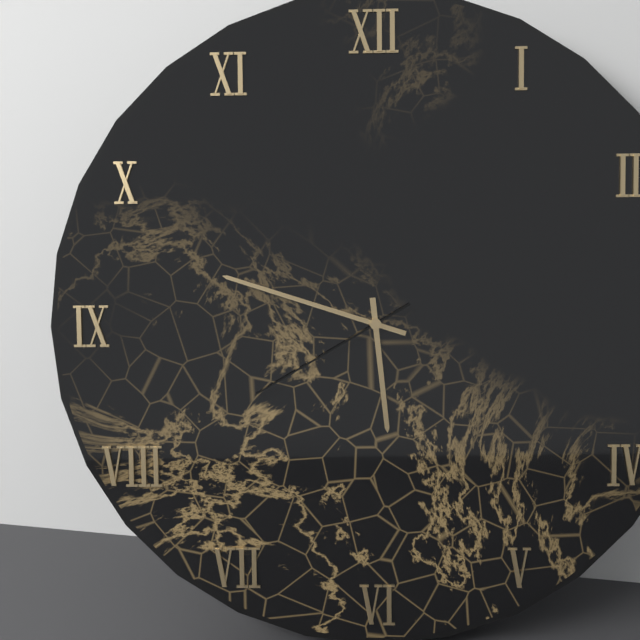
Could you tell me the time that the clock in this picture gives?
5:48:40
